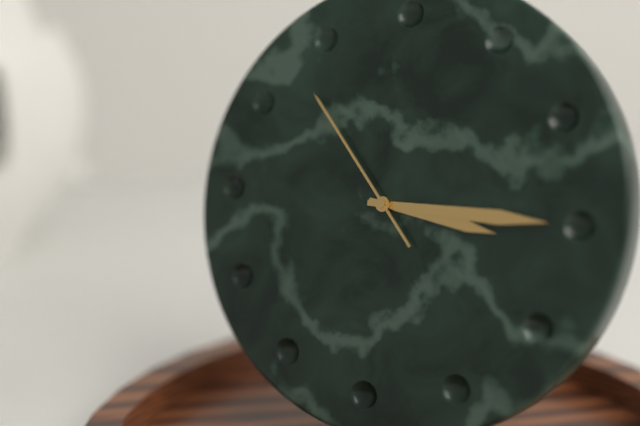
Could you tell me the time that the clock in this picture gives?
3:15:53
